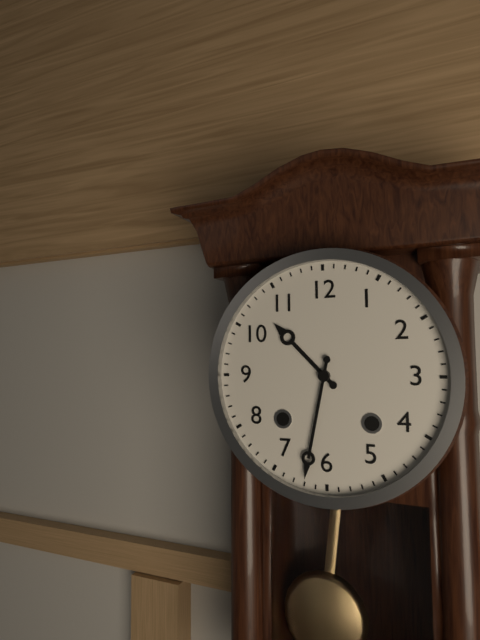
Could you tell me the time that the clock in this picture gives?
10:32
